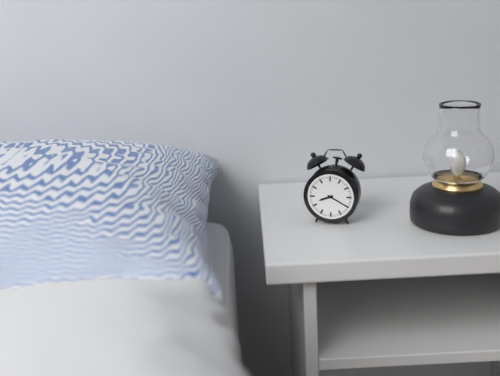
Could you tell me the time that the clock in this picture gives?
8:20
